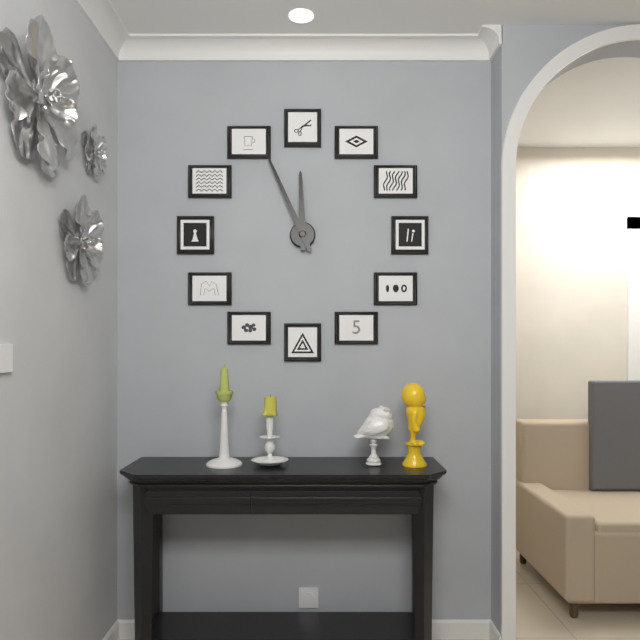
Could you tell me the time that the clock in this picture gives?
11:56
